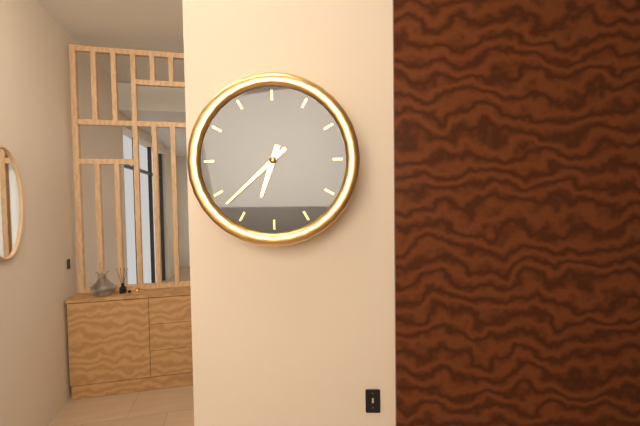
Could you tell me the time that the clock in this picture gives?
6:38
